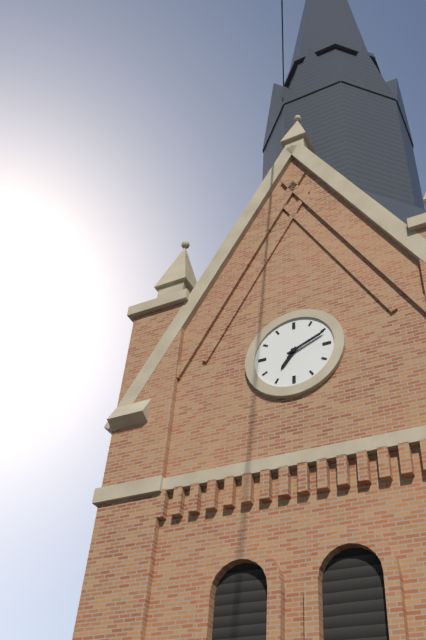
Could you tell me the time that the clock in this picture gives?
7:11
